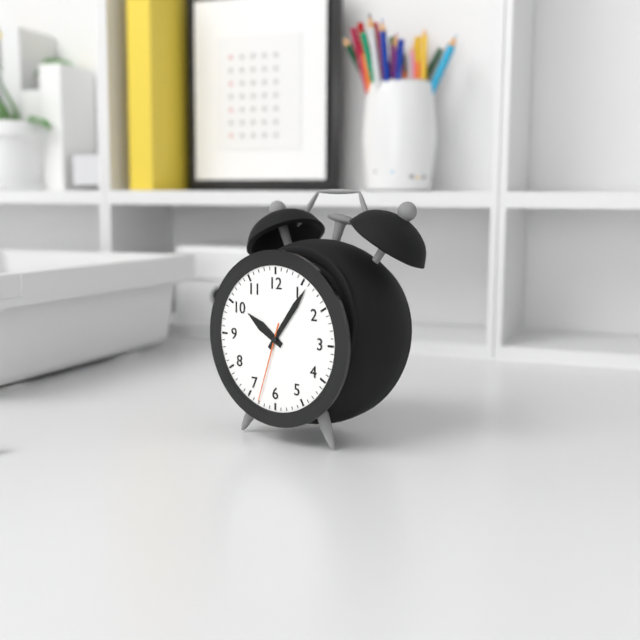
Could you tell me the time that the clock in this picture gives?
10:06:33
